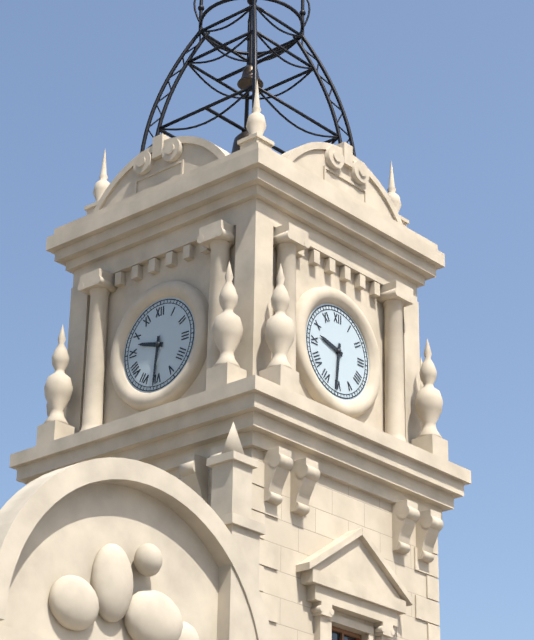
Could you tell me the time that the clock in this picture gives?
9:31
